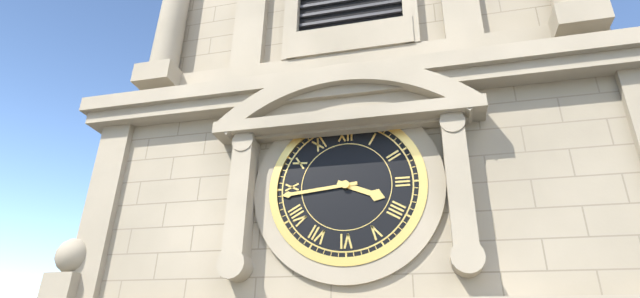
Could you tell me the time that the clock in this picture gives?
3:44
